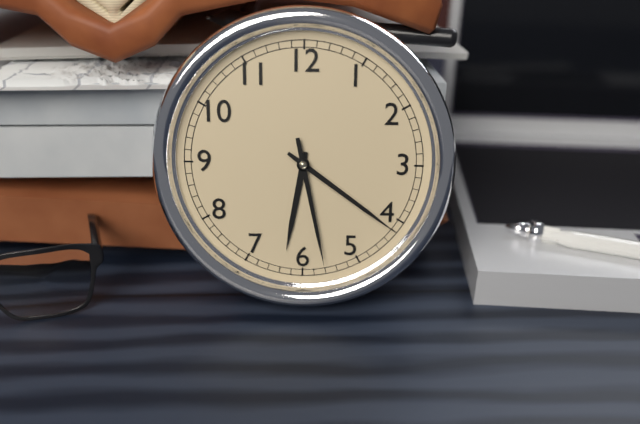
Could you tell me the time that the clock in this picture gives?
6:21:28
